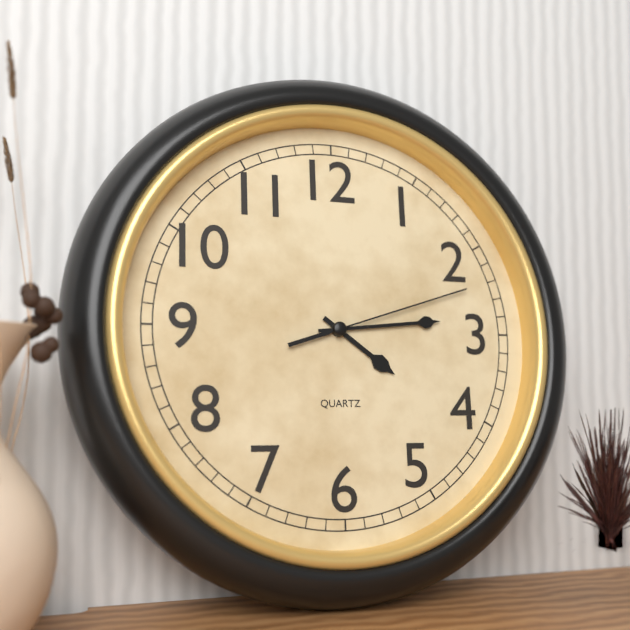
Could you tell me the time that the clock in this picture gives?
4:14:12
